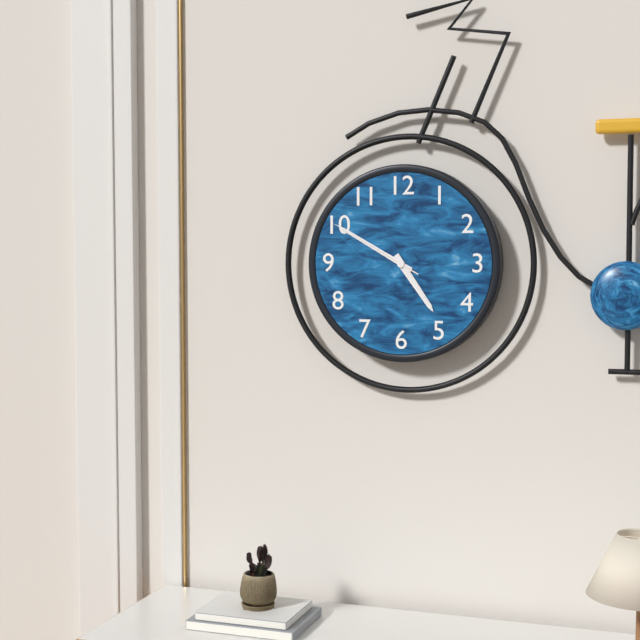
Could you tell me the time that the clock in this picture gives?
4:50:50
